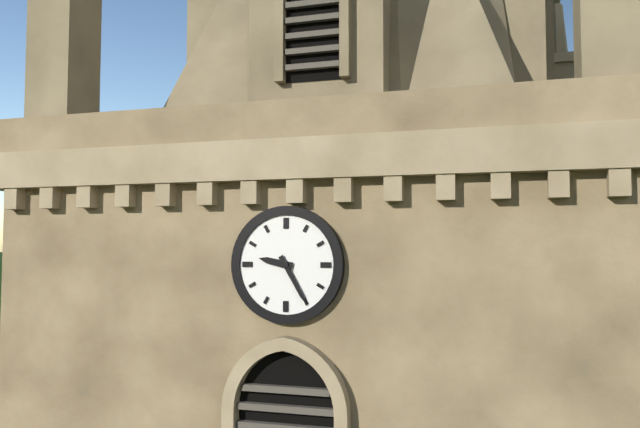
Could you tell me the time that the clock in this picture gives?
9:25
